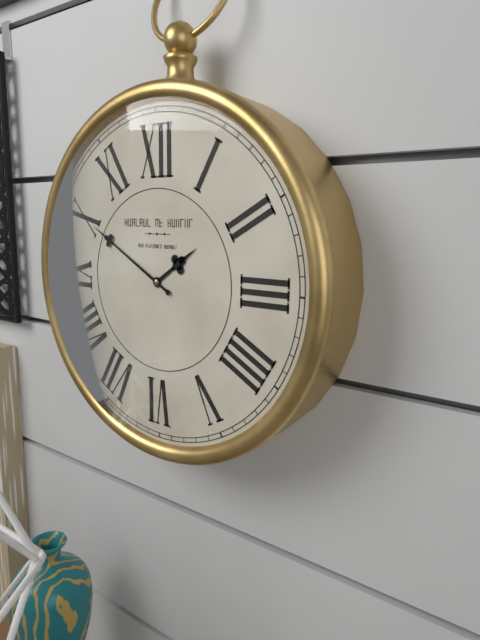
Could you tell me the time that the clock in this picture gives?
1:50
